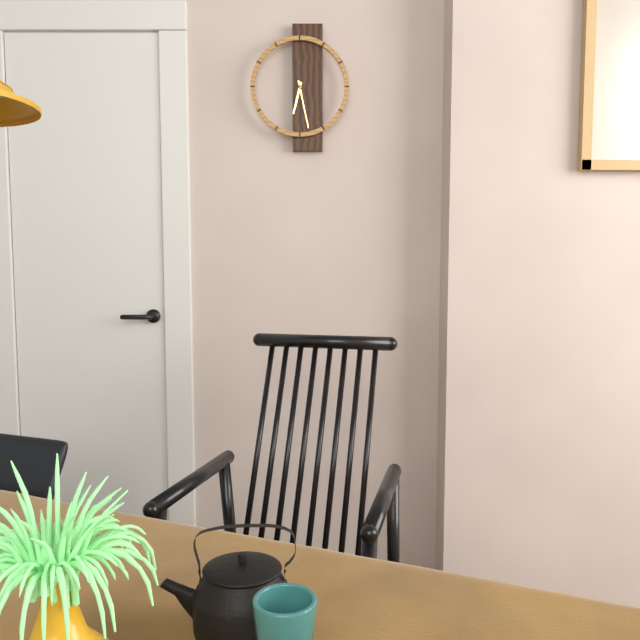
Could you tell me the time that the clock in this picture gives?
6:28
